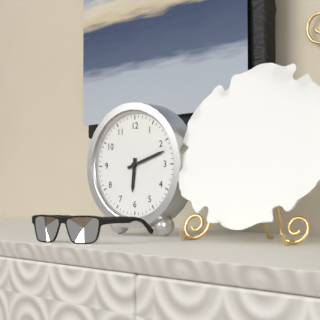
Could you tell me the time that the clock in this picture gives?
6:12
